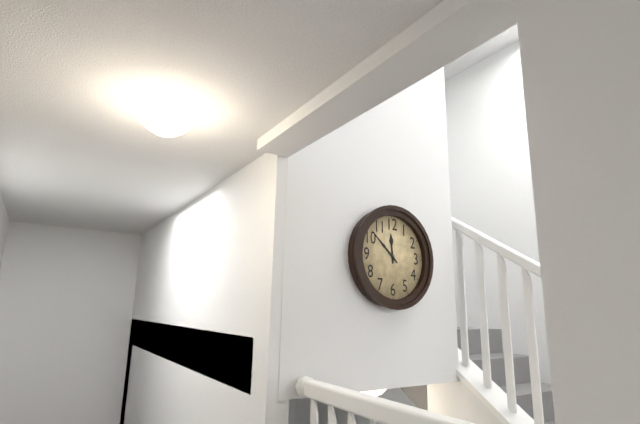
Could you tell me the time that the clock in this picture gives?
11:52
